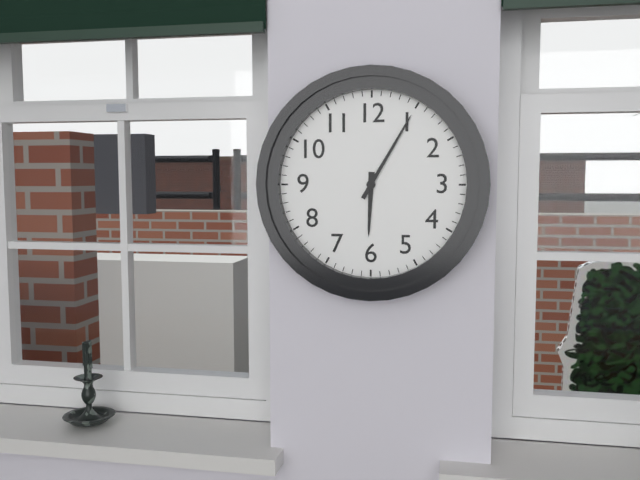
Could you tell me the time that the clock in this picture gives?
6:05
